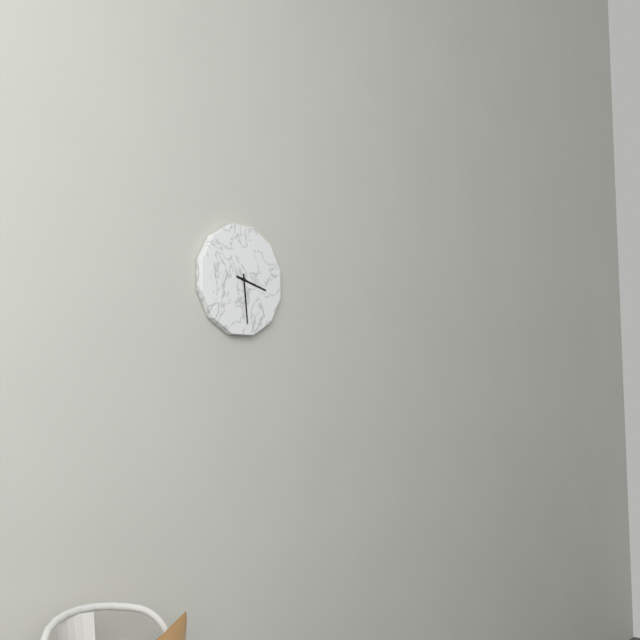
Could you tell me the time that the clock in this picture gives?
3:29
